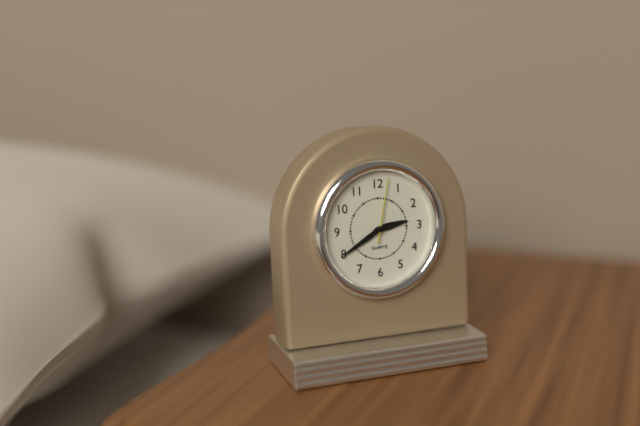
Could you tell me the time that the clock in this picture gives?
2:40:02
